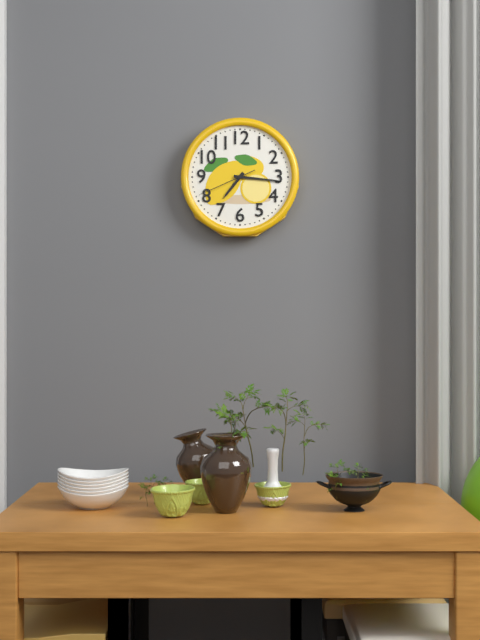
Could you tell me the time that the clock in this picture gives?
7:16:41
